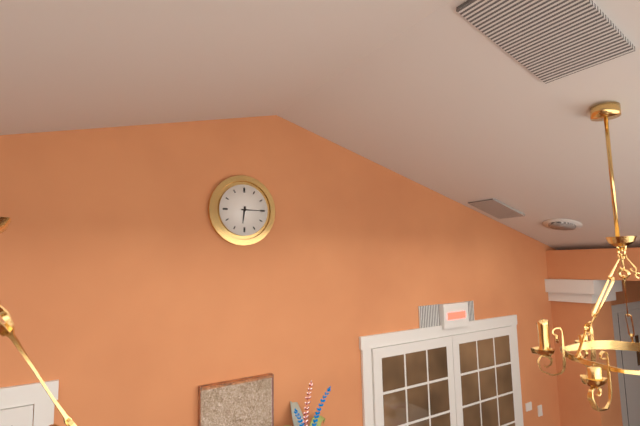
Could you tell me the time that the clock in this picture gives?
6:15
